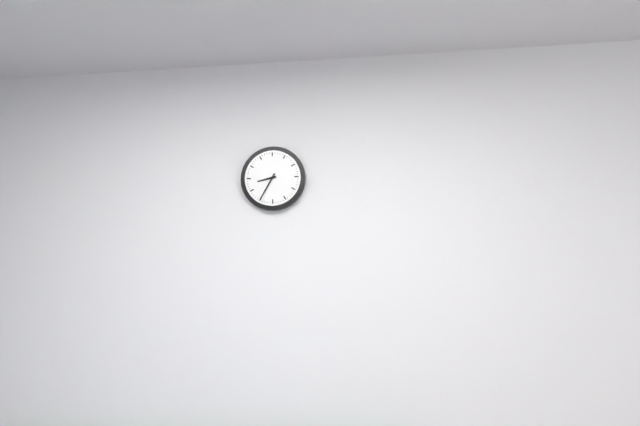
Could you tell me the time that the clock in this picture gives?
8:35
